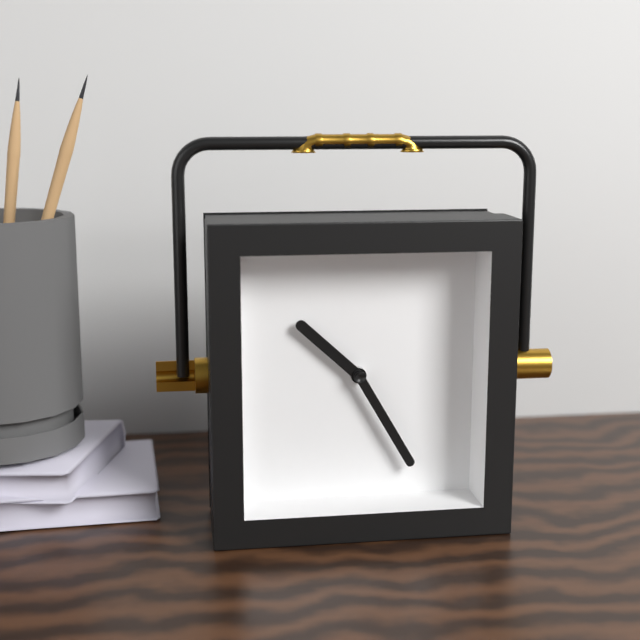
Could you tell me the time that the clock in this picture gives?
10:25
